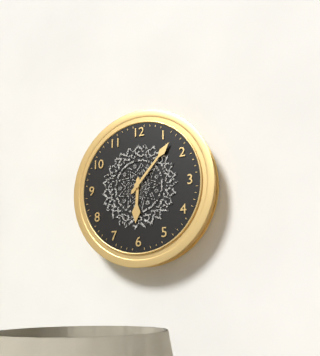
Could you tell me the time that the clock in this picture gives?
6:07
